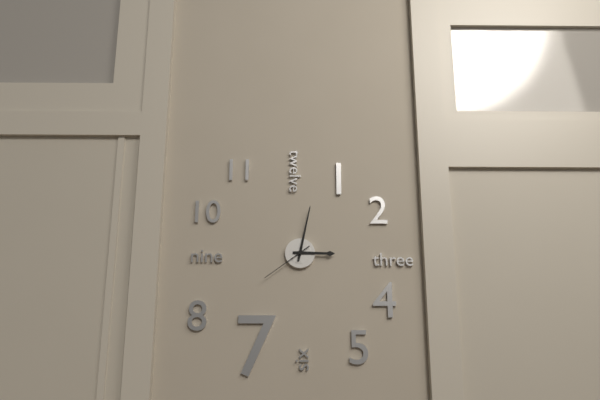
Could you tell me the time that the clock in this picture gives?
3:02:39
